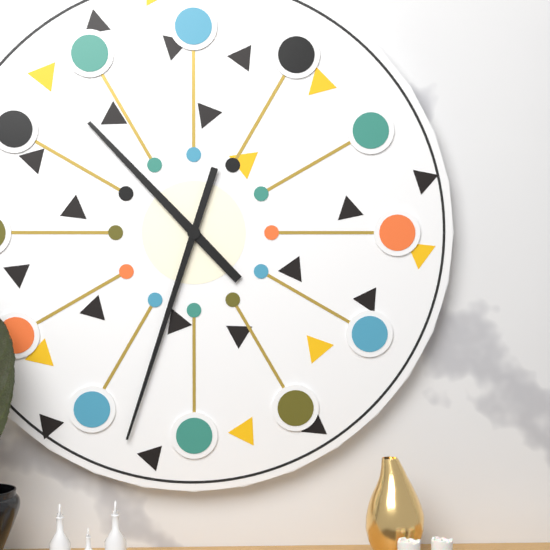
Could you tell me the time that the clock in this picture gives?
10:33
